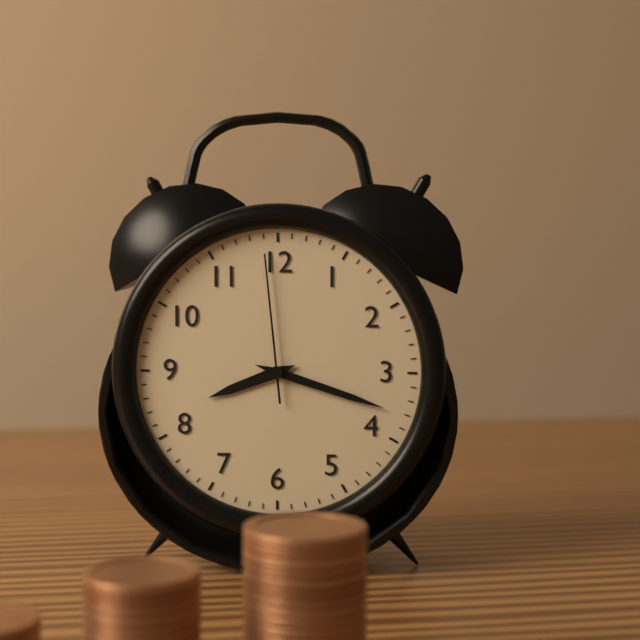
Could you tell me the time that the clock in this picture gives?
8:18:59
